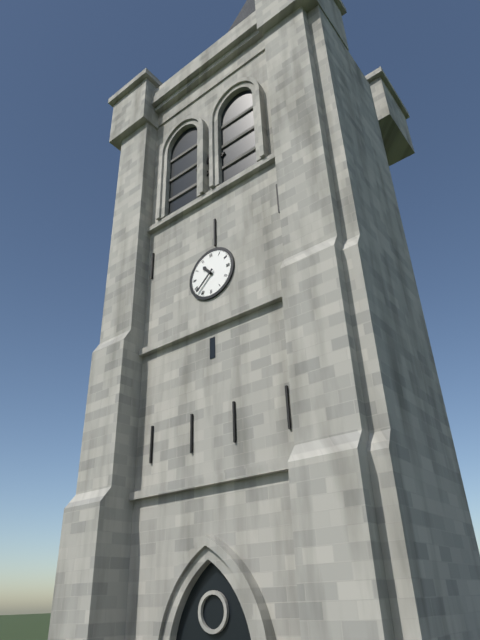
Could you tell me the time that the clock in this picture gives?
10:38
